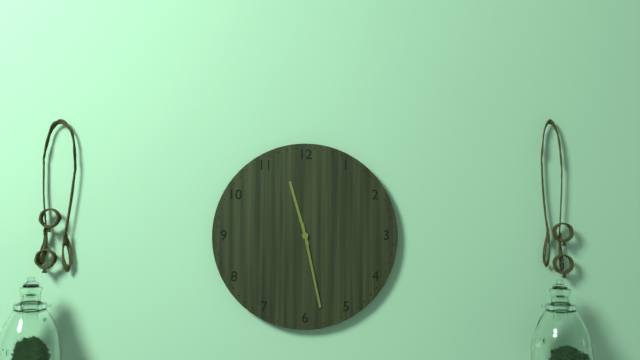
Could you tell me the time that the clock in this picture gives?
11:28
